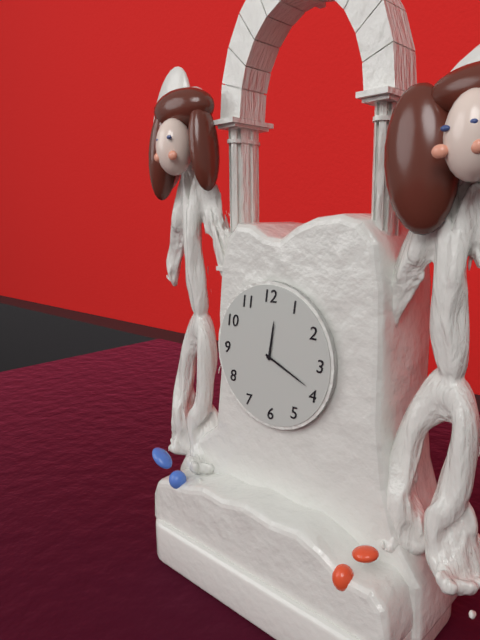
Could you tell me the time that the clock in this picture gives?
12:19
